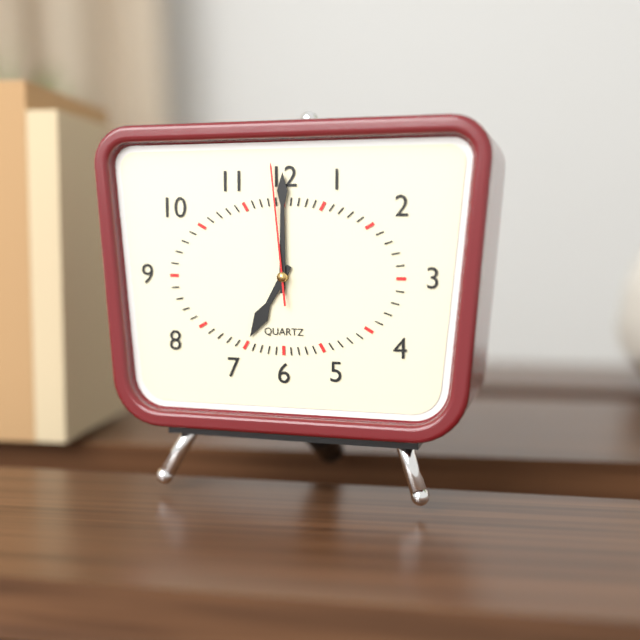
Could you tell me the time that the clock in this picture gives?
7:00:59
